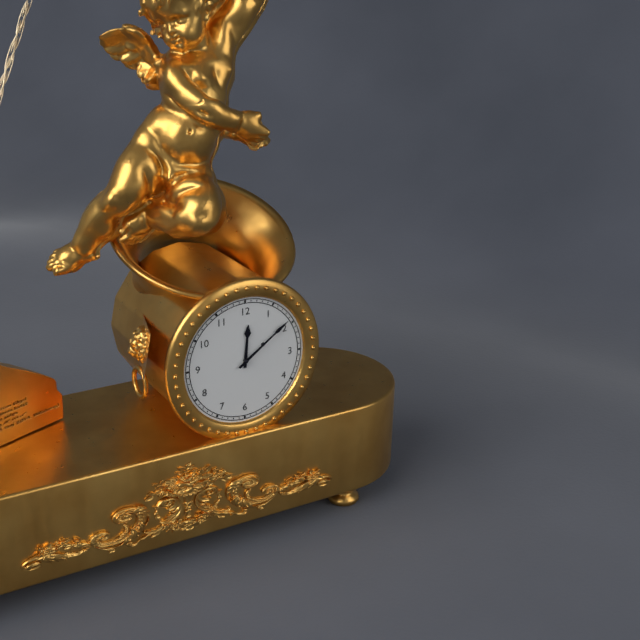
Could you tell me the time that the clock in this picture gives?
12:09
